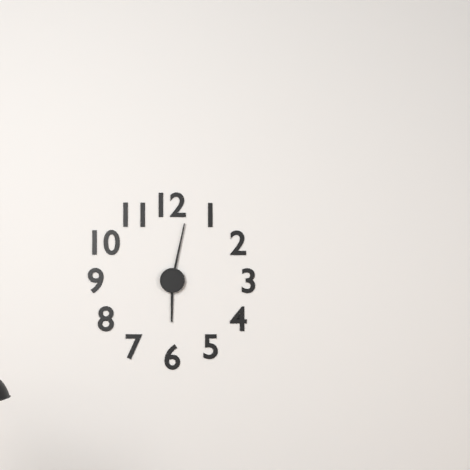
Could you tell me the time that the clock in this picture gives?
6:02
